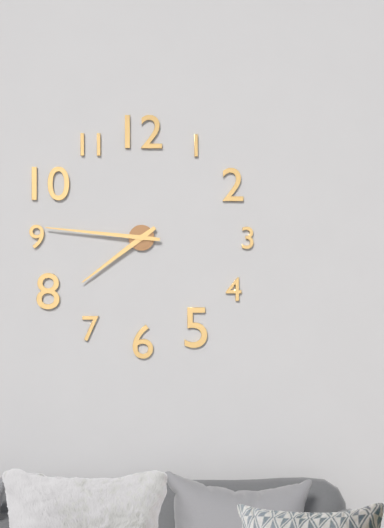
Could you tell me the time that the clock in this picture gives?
7:46
